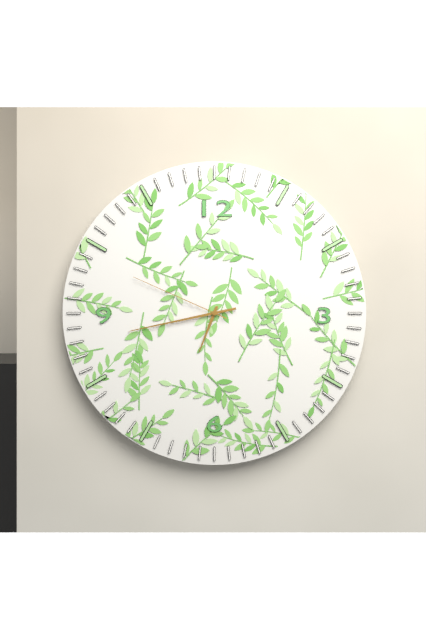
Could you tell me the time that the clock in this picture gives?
6:43:49
